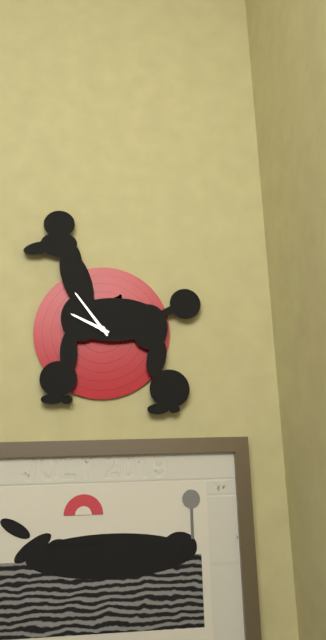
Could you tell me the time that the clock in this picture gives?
9:54
